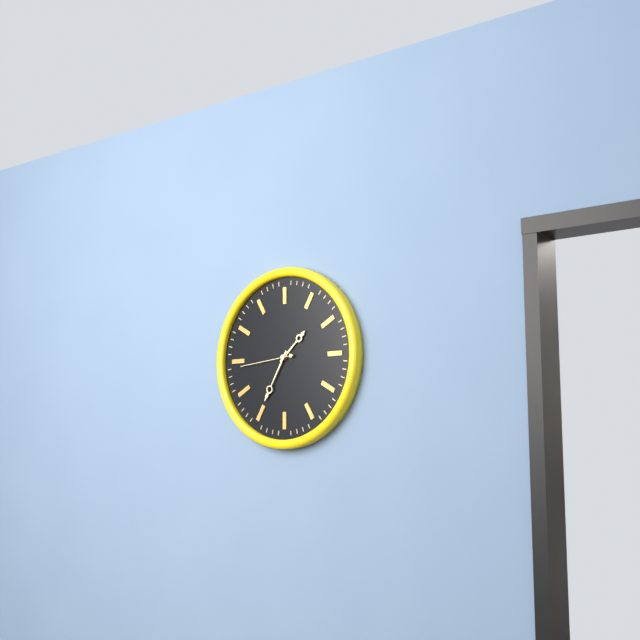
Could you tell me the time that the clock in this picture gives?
1:35:44
